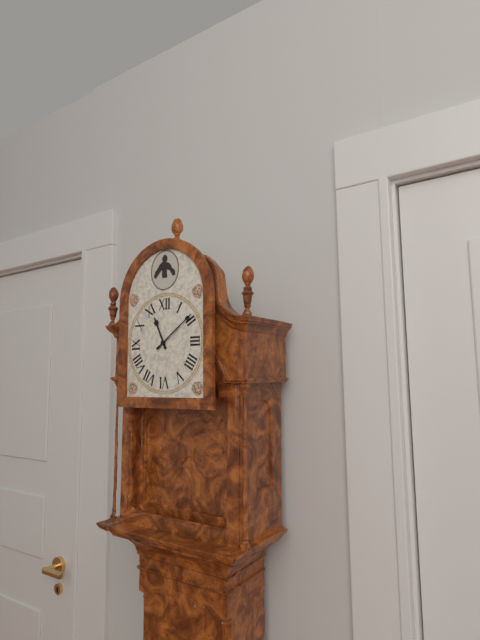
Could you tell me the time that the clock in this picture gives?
11:09
